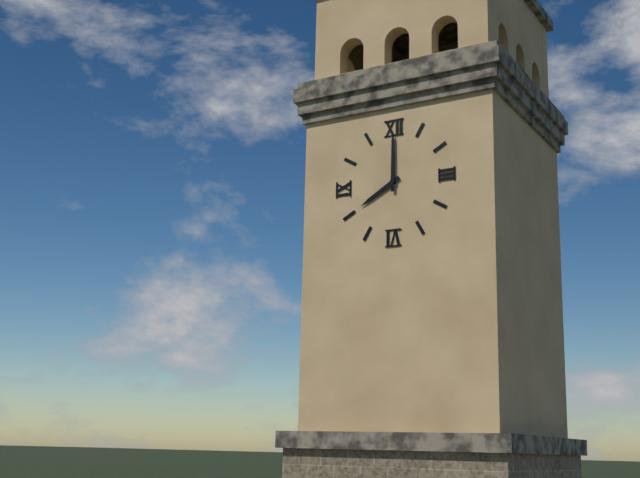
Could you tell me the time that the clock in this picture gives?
8:00
